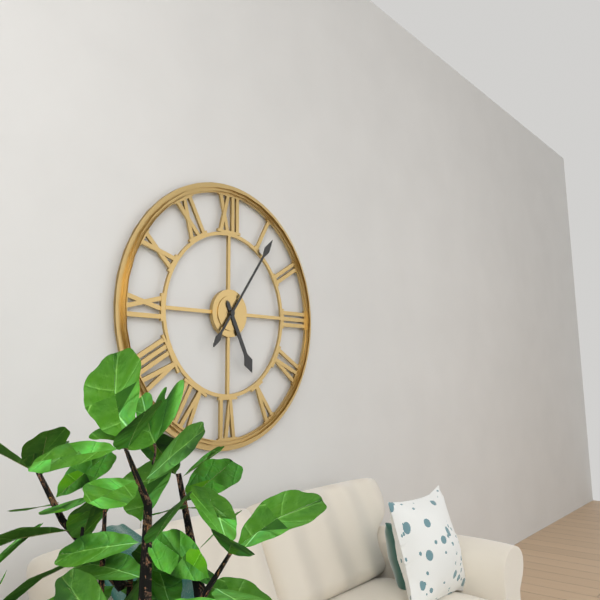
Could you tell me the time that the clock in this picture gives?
5:06
